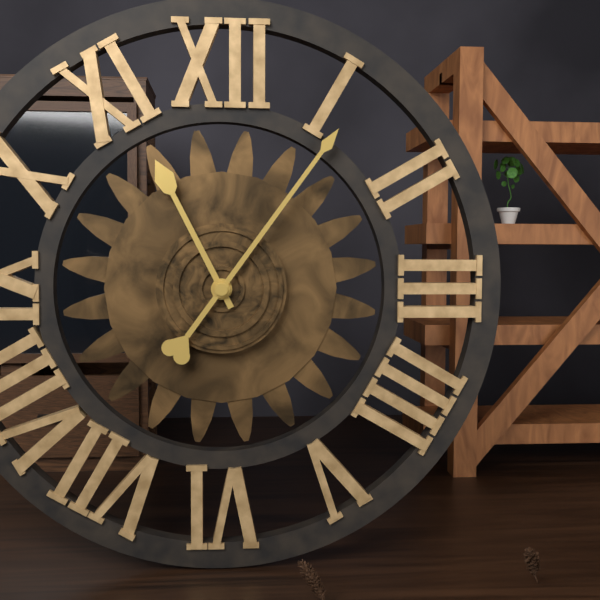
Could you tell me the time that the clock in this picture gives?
11:06
